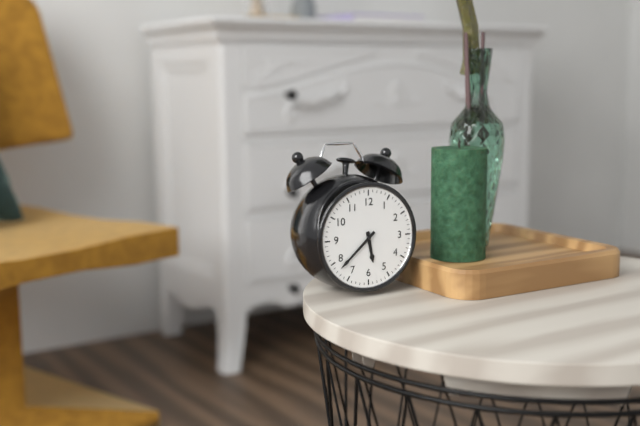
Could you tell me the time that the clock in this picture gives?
5:38
